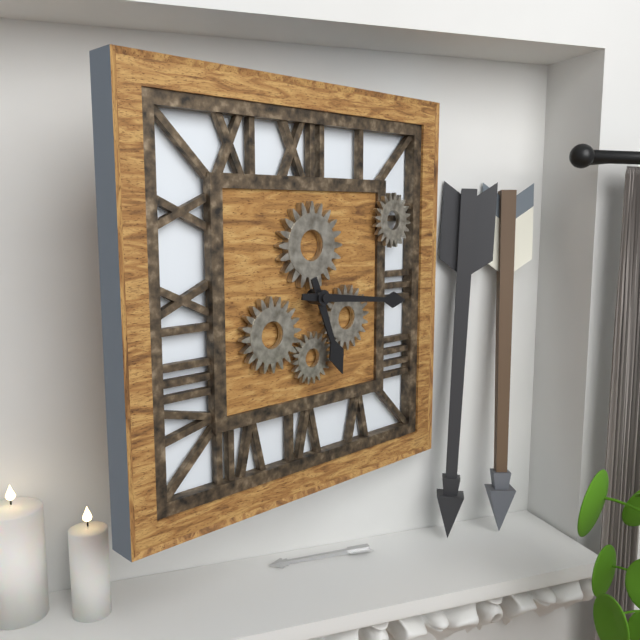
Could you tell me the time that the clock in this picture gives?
5:16
